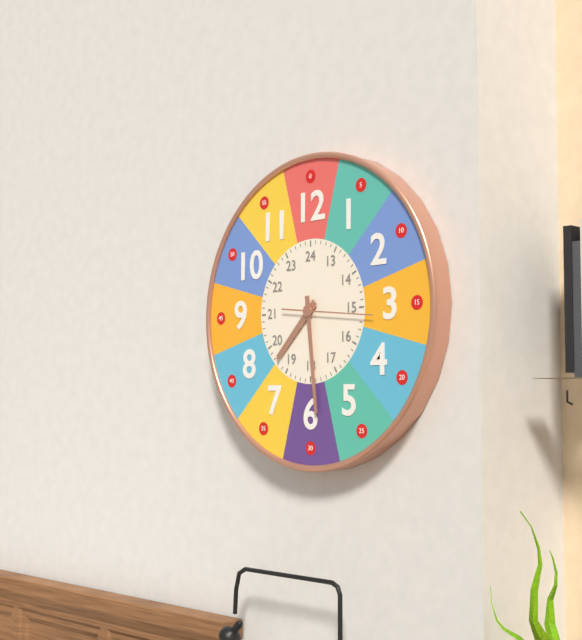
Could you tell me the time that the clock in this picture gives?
7:29:16
